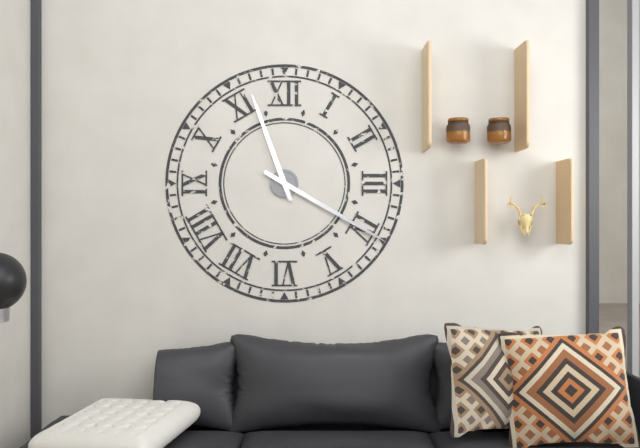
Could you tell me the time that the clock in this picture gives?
11:20
